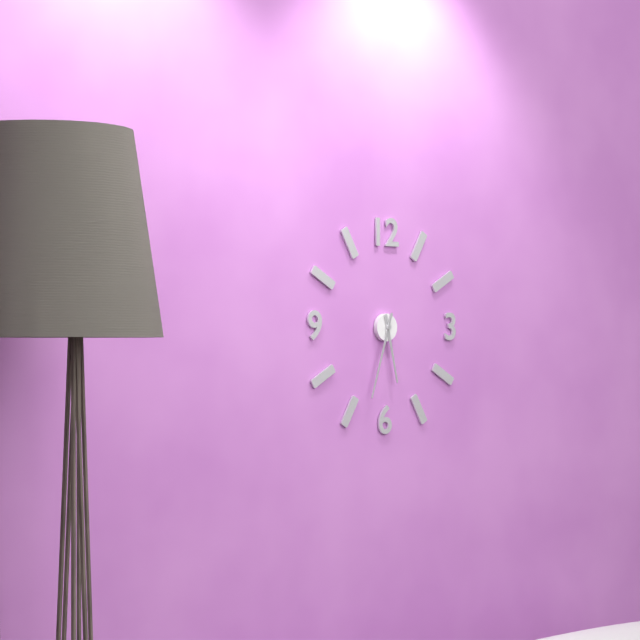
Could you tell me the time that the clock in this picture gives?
5:33
